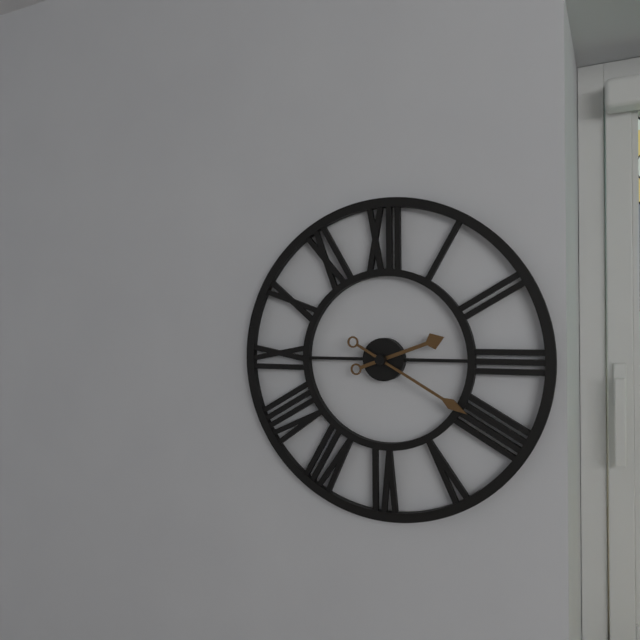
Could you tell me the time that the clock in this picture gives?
2:20
